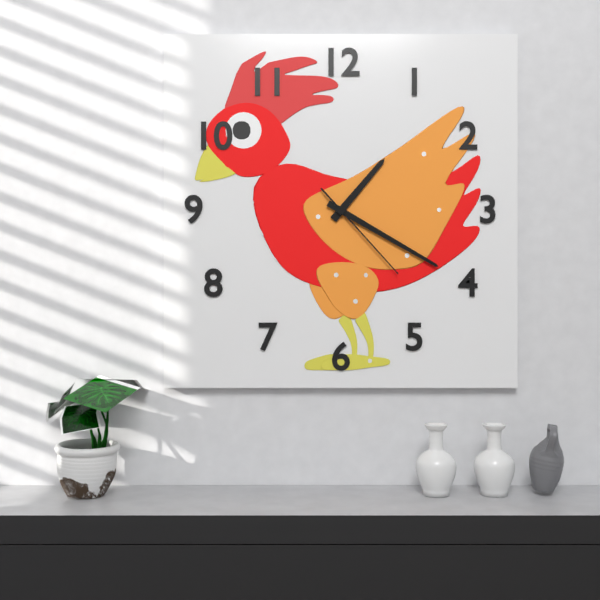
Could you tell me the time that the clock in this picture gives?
1:20:23
